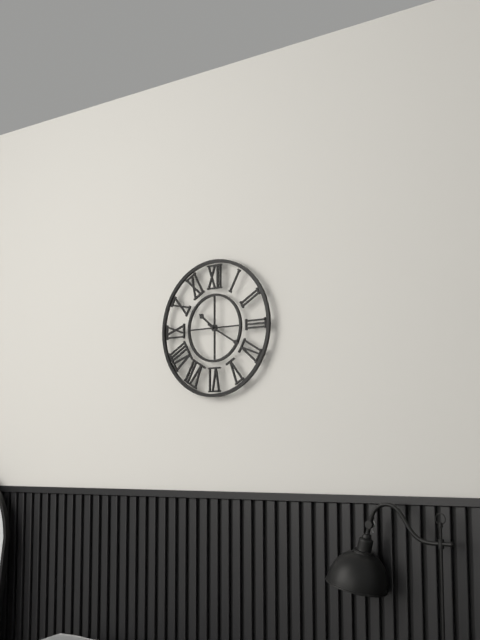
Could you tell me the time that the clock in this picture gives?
10:20
